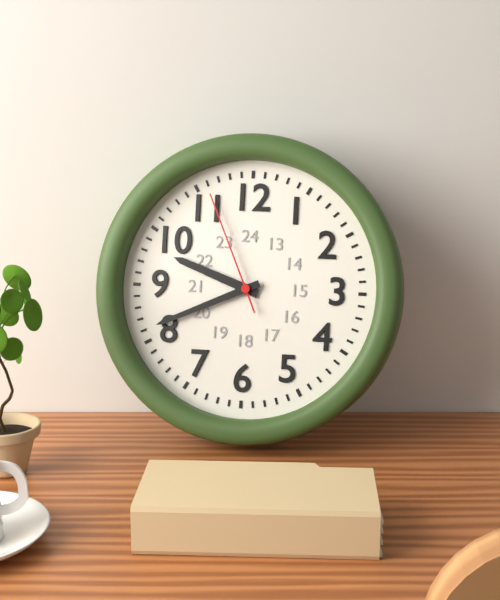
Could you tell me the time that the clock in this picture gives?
9:41:56
